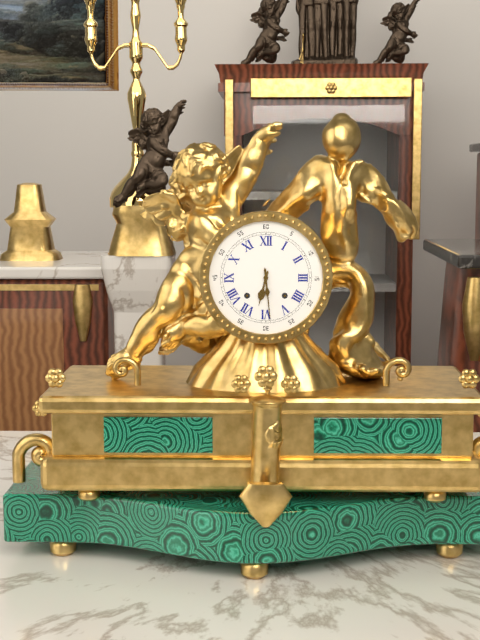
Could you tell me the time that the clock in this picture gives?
6:29
